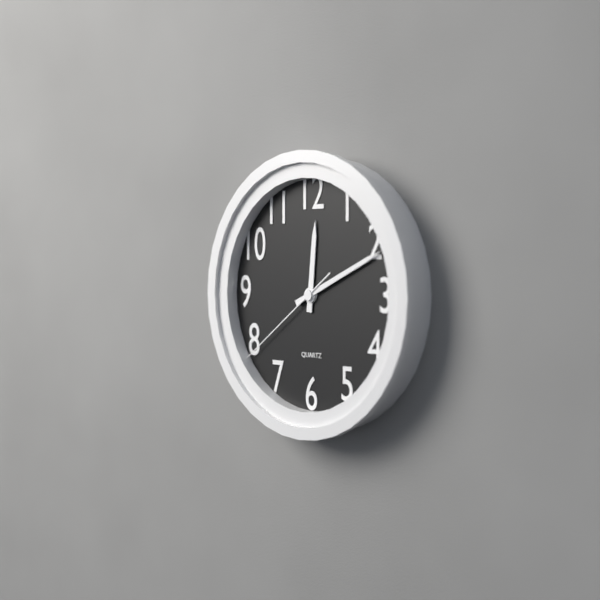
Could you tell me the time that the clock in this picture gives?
12:11:39
